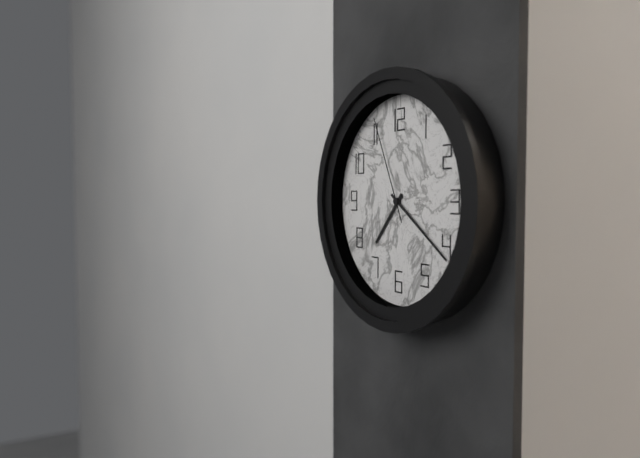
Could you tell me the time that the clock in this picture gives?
7:21:56
